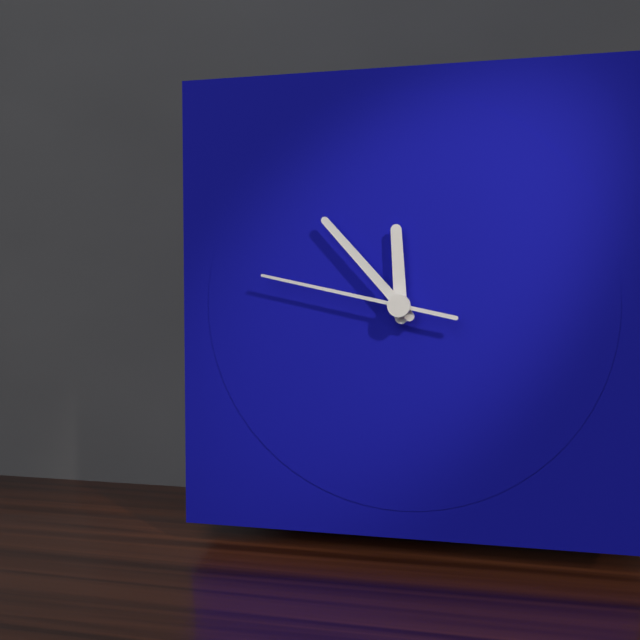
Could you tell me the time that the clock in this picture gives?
11:53:47
